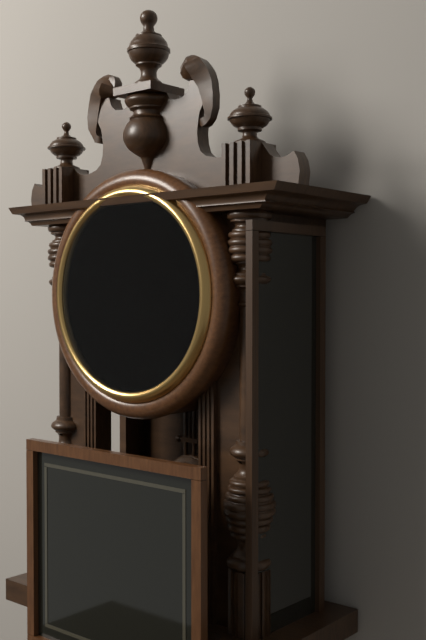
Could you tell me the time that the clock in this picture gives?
12:56
